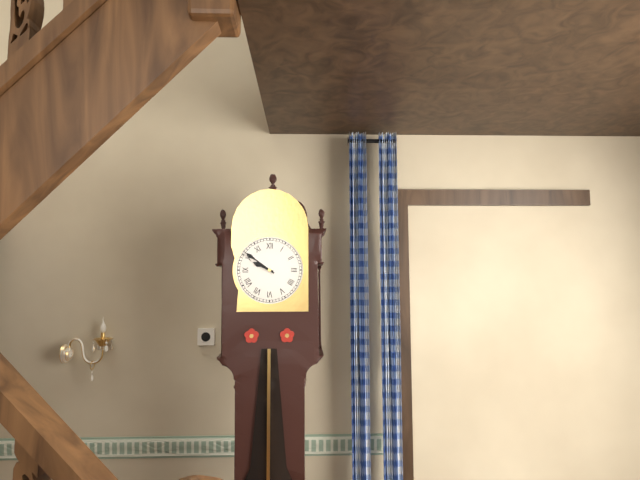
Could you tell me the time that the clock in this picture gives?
9:51
